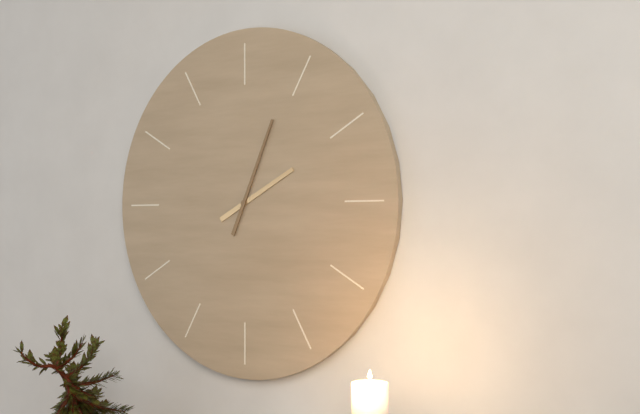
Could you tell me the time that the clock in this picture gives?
2:04
